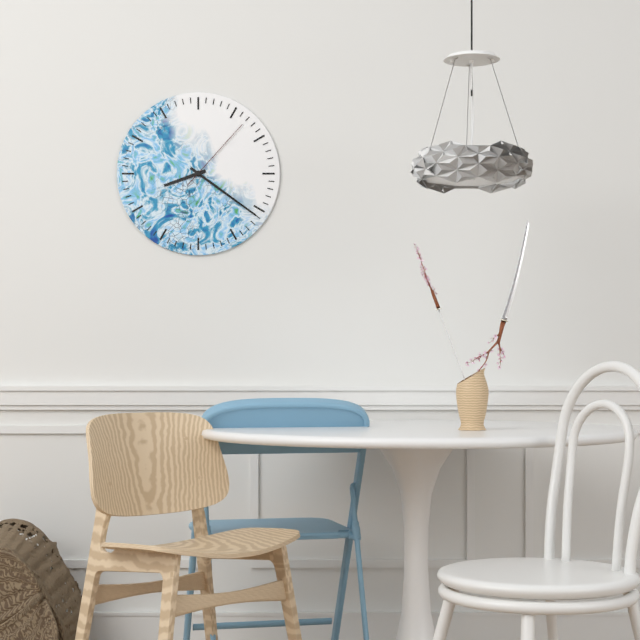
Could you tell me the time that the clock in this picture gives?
8:21:07
